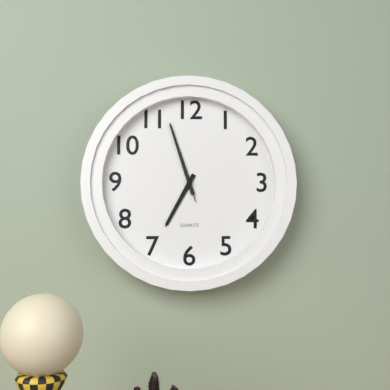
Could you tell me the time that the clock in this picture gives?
6:57:57
